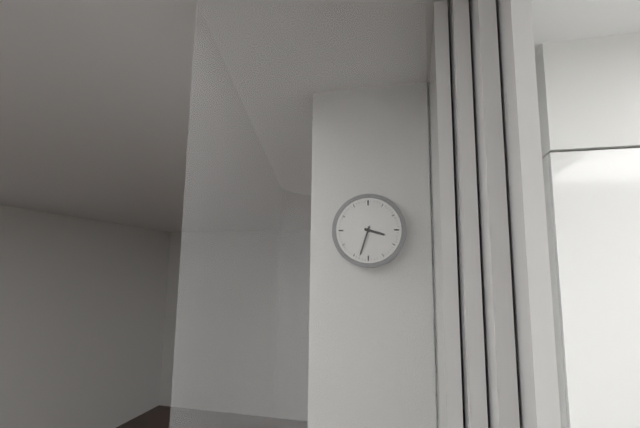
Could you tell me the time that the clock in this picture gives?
3:33
